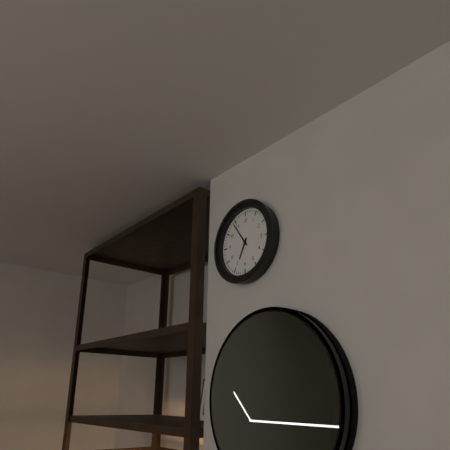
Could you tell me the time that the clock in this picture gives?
6:54
